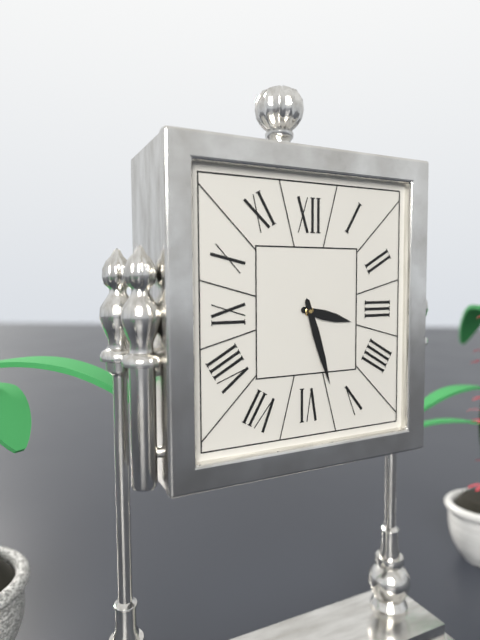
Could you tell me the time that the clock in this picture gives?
3:27
